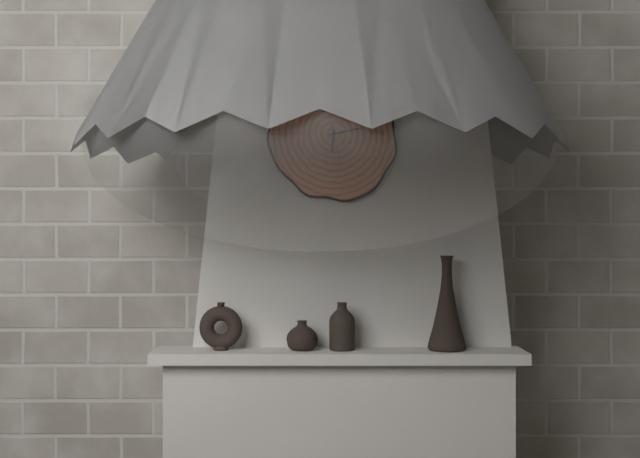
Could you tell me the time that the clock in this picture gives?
6:13
